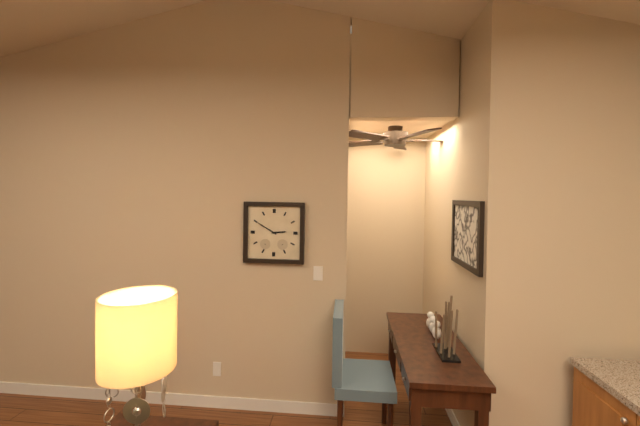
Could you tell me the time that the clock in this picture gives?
2:50
